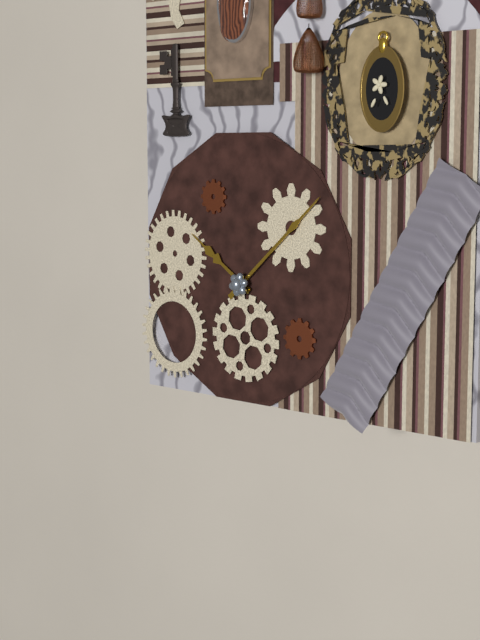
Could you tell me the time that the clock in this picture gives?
10:08
